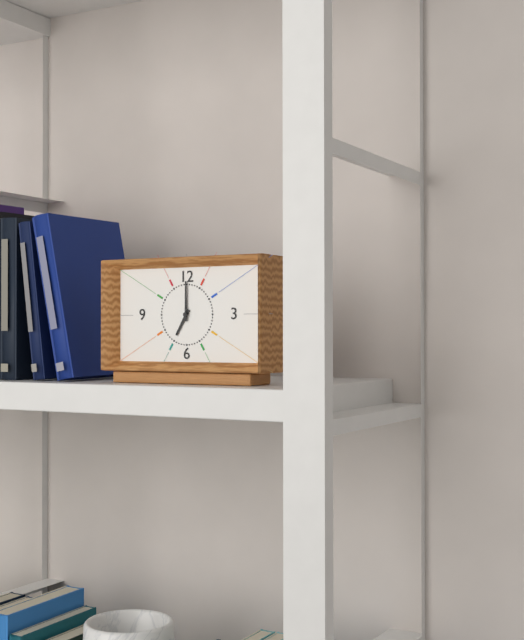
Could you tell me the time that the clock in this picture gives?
7:00
